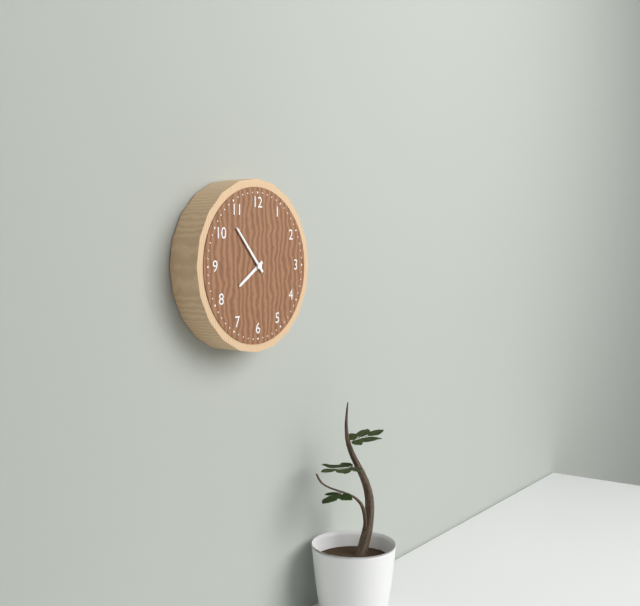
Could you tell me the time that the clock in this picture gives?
7:53
